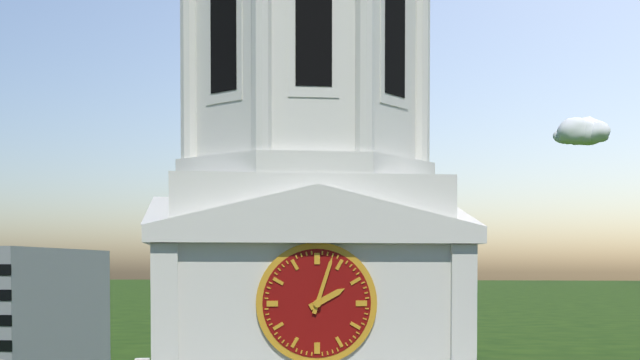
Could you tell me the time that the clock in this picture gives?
2:03
